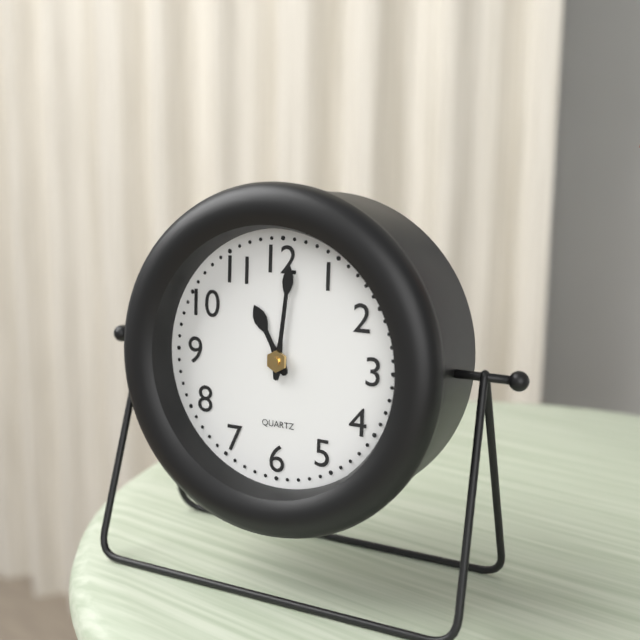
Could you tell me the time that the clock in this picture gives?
11:01
